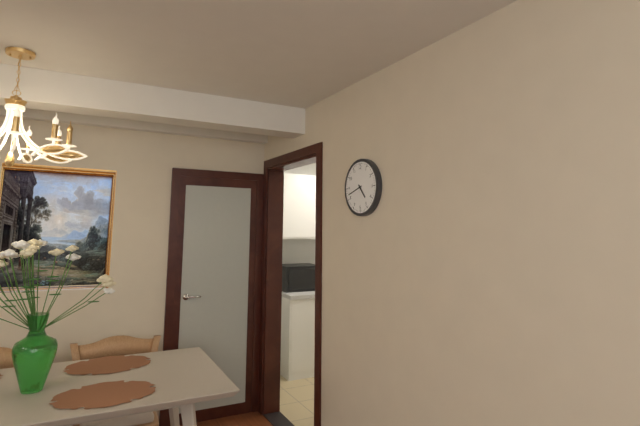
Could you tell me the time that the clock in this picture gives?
4:42
